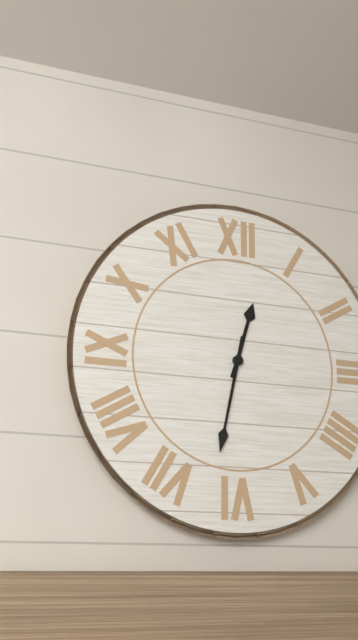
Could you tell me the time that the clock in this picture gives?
12:32
